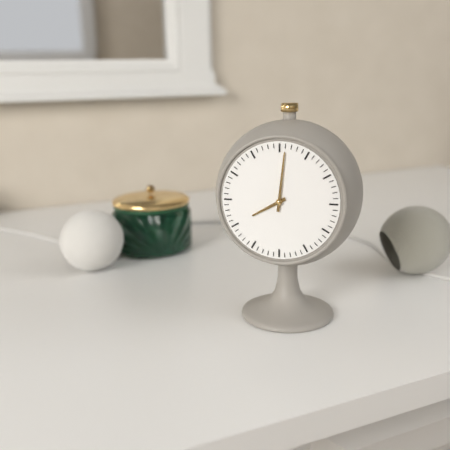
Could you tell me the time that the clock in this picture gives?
8:01
